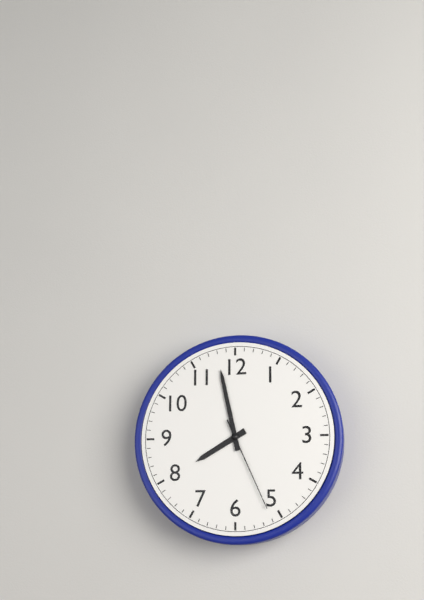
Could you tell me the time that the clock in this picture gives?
7:58:26
